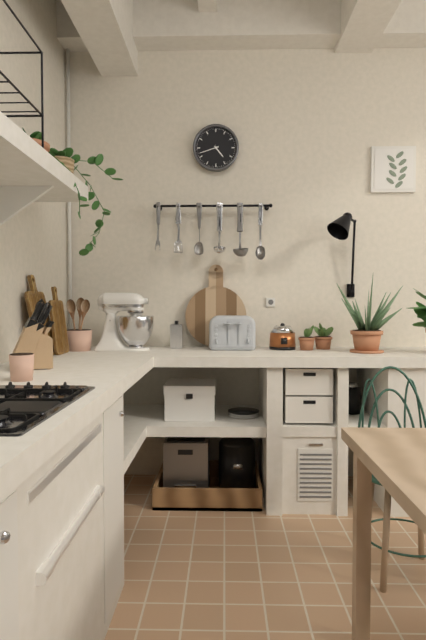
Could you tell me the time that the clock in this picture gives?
4:42
